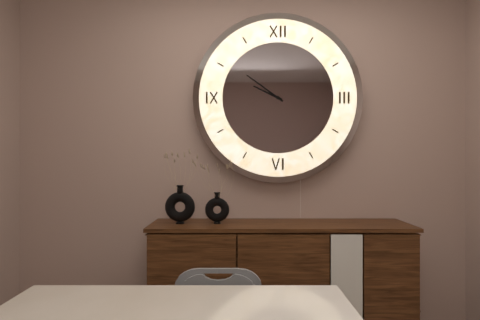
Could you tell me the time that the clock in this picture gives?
9:51
